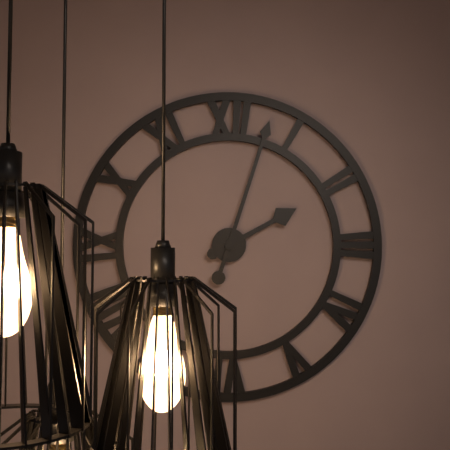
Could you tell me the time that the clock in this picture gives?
2:03
